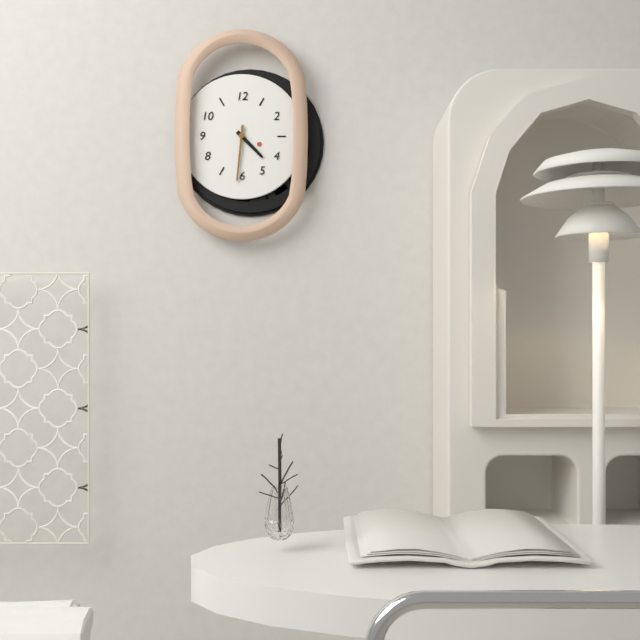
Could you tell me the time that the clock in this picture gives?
4:31
